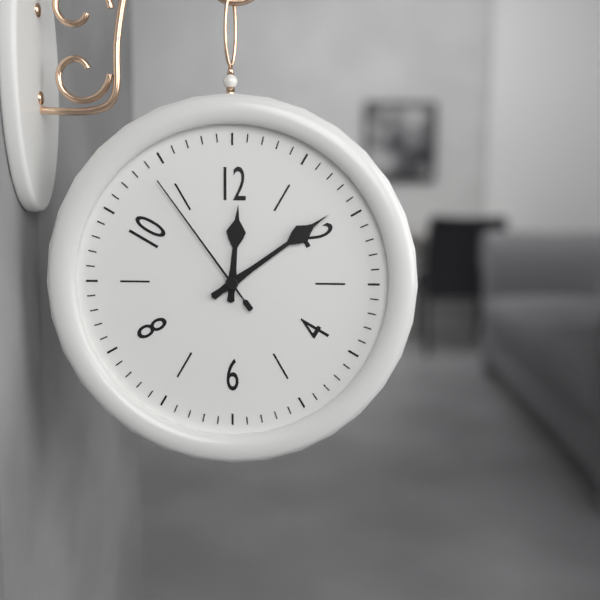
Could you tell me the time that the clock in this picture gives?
12:09:54
